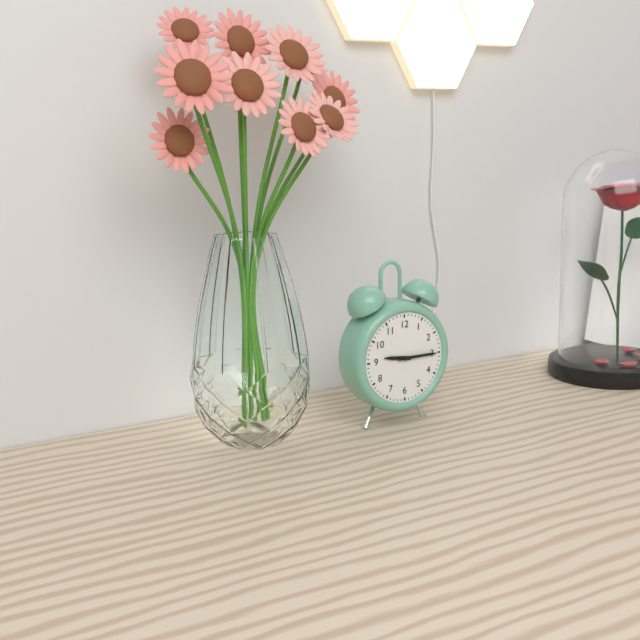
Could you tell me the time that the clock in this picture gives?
9:15
